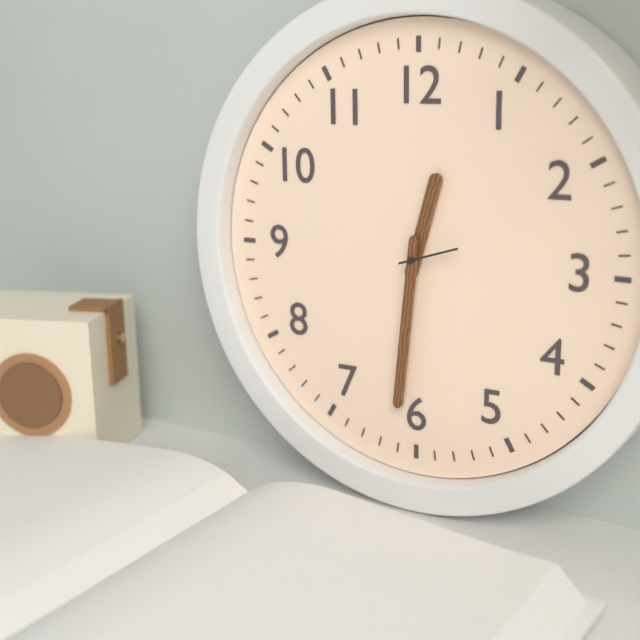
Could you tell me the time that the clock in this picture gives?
12:31:12
